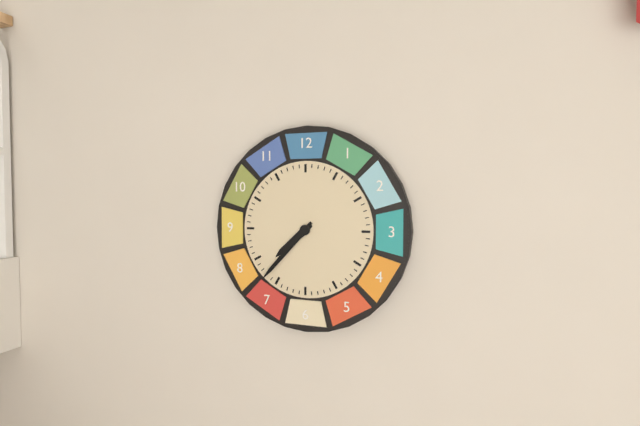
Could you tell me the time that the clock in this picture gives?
7:37
